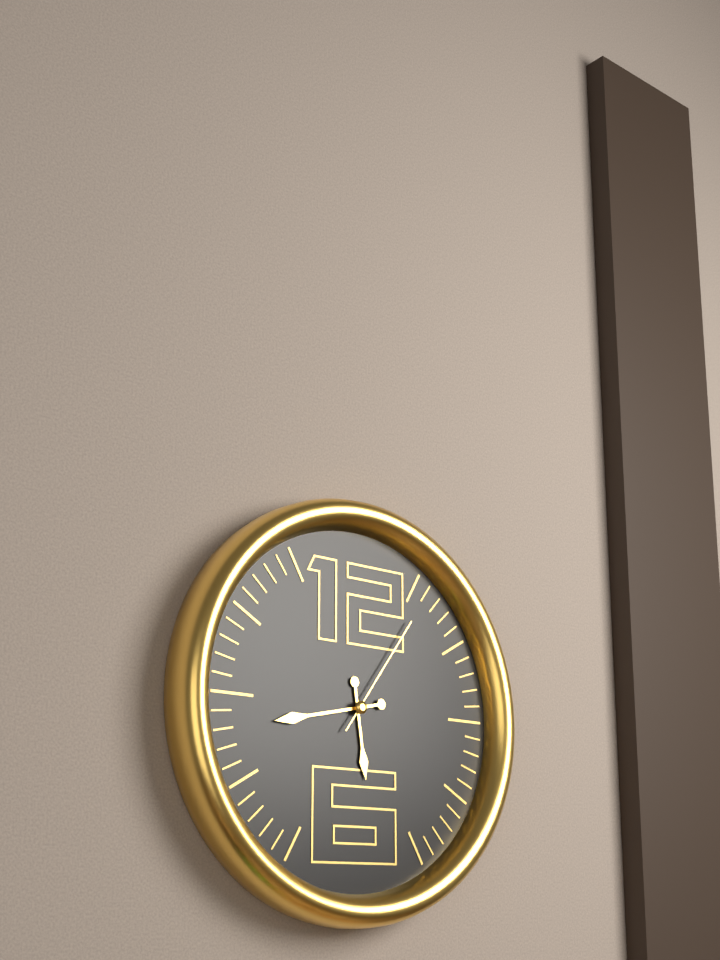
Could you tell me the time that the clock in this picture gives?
5:43:06
